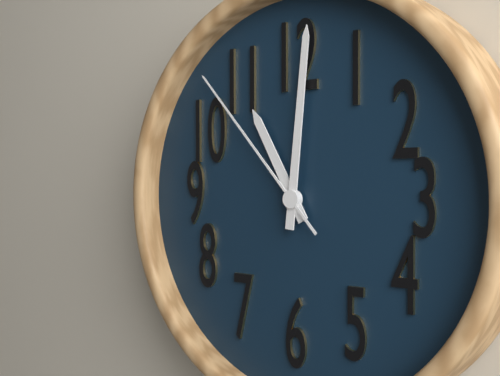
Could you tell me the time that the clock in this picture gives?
11:01:53
